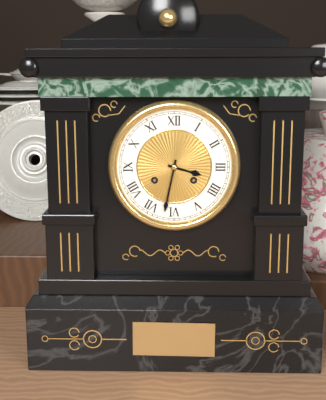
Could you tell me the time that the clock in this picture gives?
3:32
